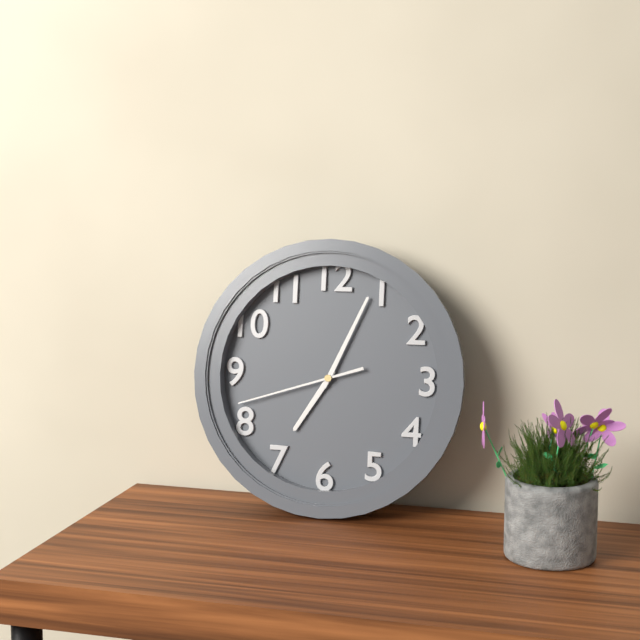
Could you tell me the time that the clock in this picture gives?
7:04:42
